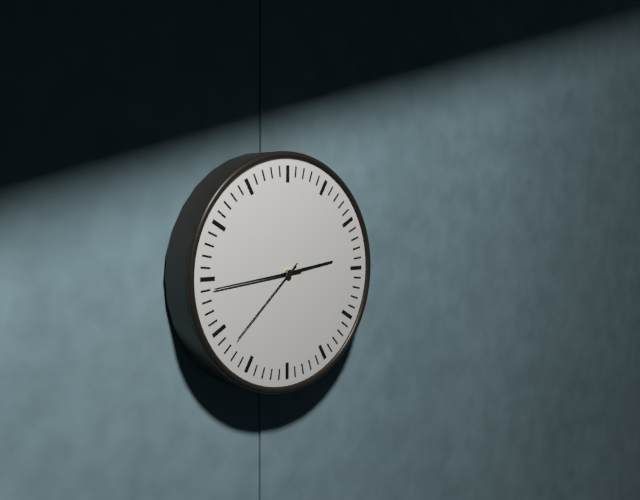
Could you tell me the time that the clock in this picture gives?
2:44:38
